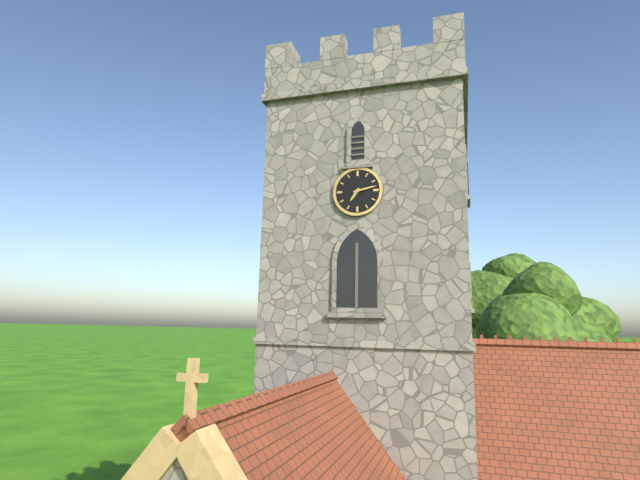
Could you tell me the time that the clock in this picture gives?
7:13
